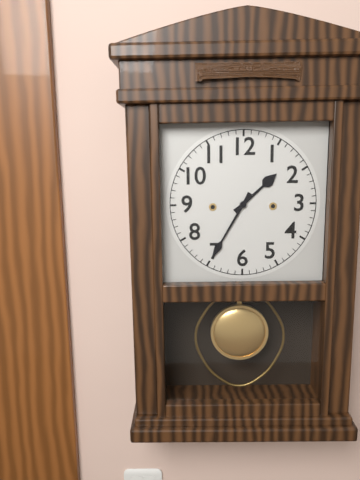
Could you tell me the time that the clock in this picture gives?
1:35
